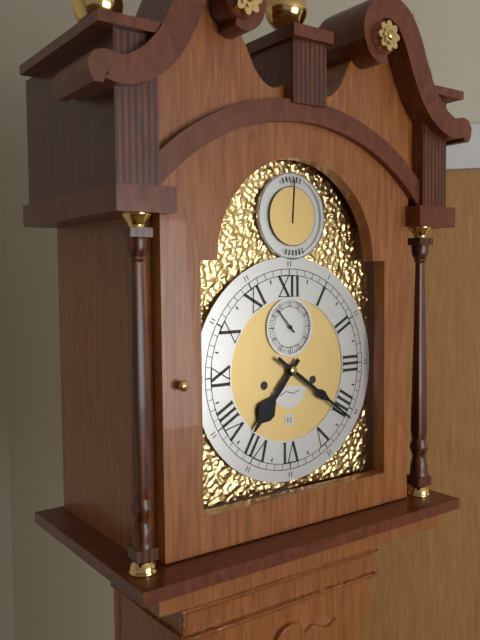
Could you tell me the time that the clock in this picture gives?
7:21
